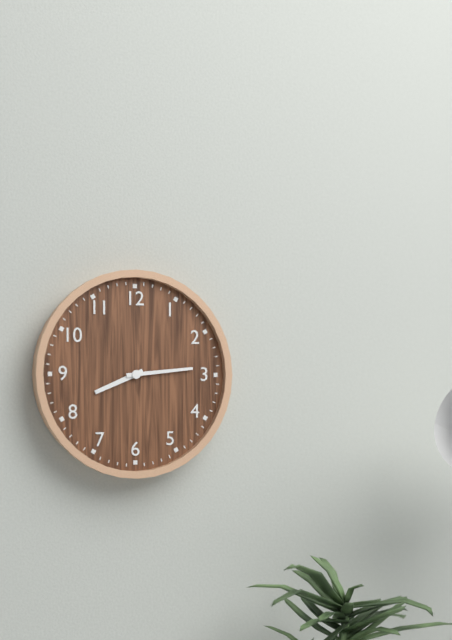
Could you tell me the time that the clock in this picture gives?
8:14
